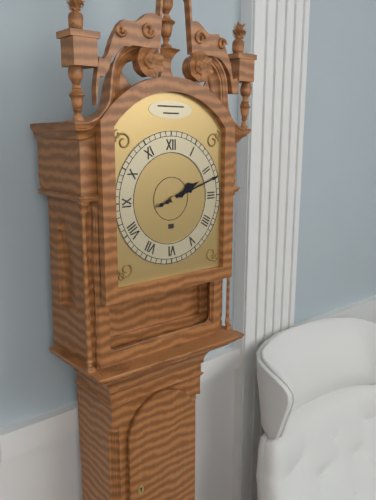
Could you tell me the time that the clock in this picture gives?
2:12
